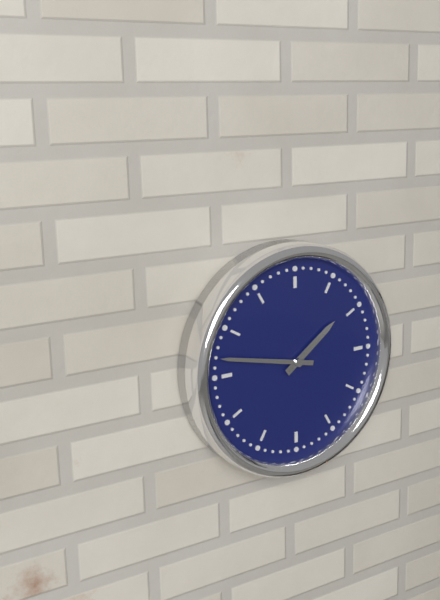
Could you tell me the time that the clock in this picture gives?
1:47
